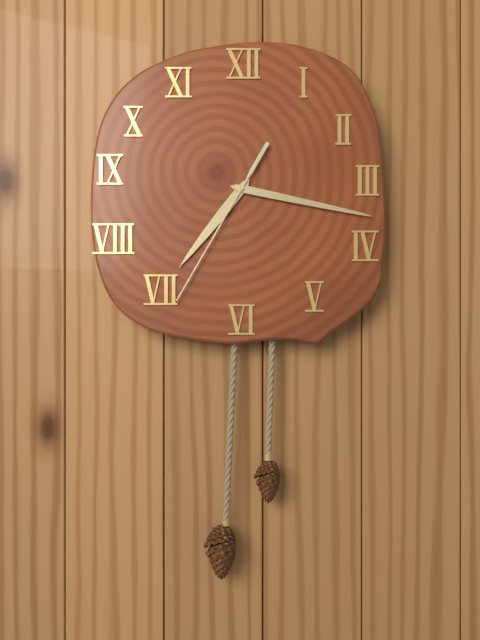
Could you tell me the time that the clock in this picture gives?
7:17:35
